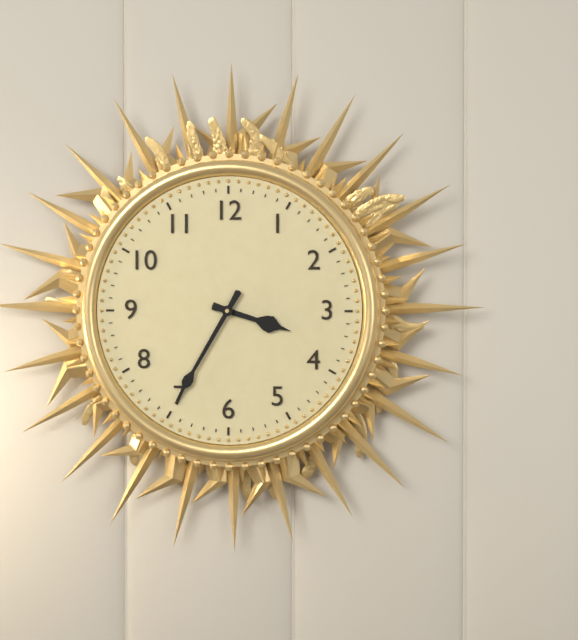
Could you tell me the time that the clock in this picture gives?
3:35
